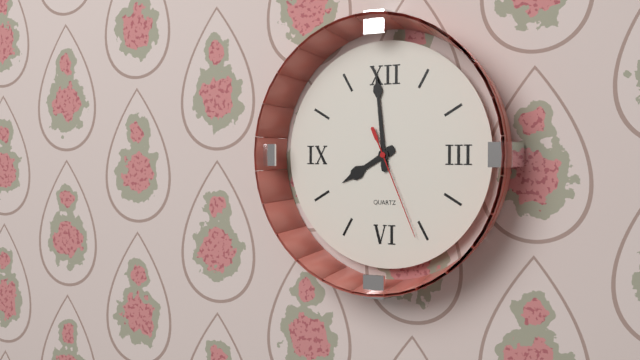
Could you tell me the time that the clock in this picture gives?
7:59:26
